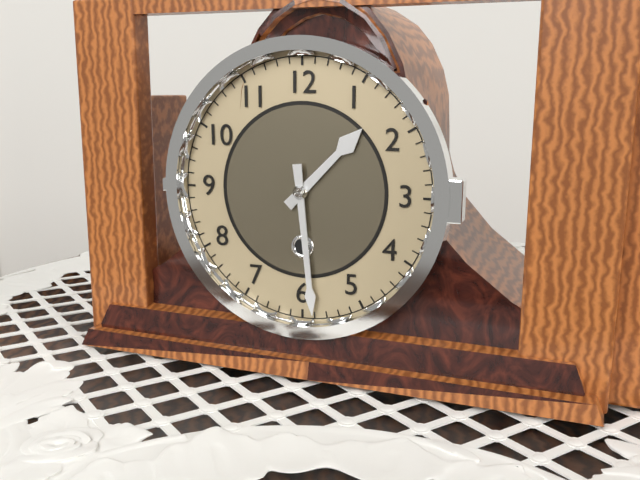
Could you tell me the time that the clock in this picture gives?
1:29
